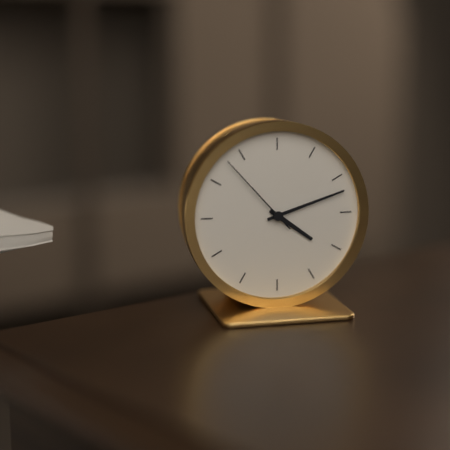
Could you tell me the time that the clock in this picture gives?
4:12:53
